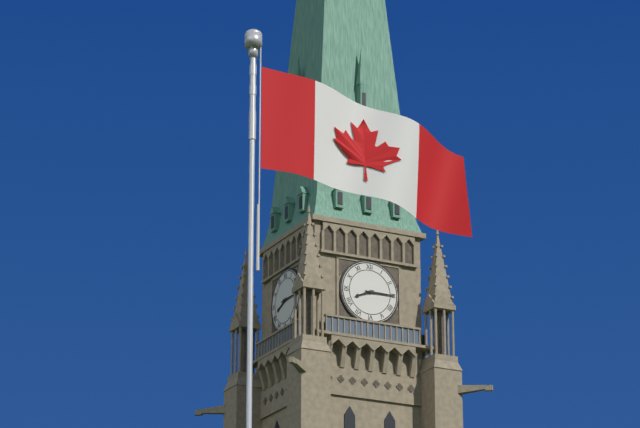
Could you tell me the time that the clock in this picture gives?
8:15
